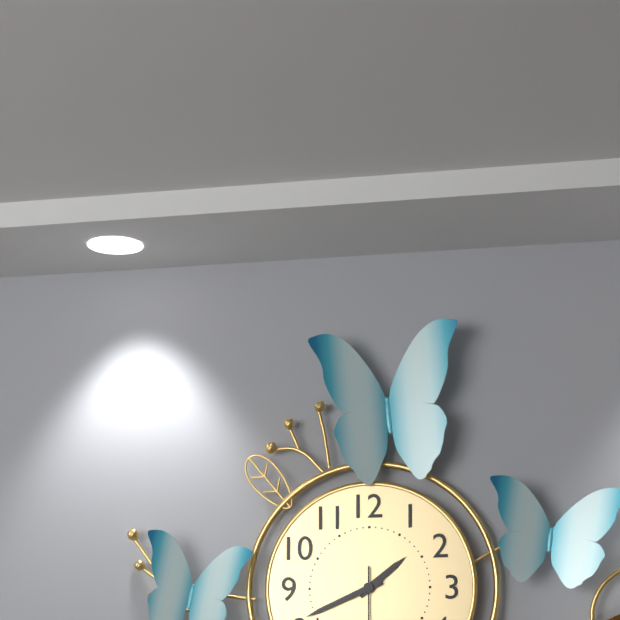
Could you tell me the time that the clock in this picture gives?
1:41
